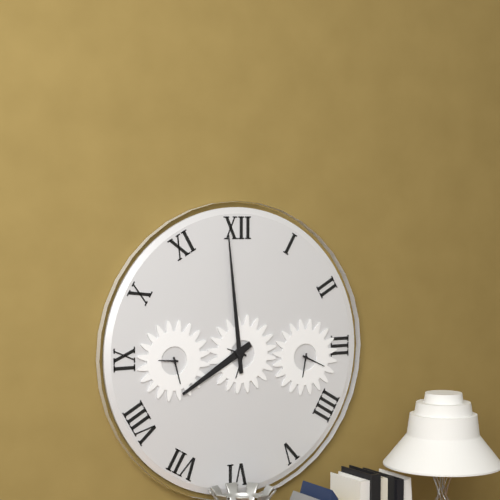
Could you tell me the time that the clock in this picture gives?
7:59
